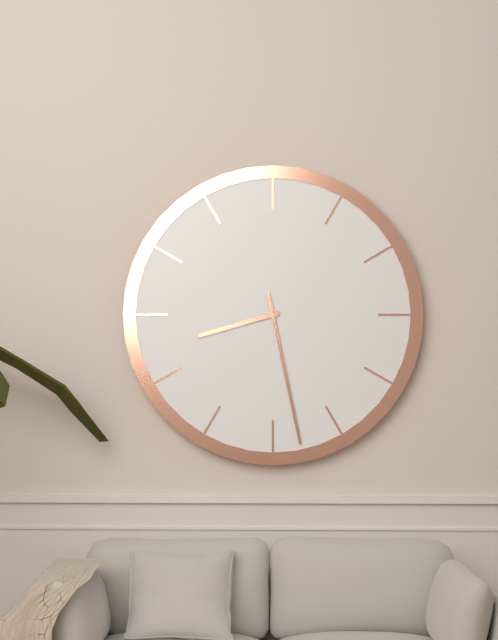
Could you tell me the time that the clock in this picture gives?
8:28
